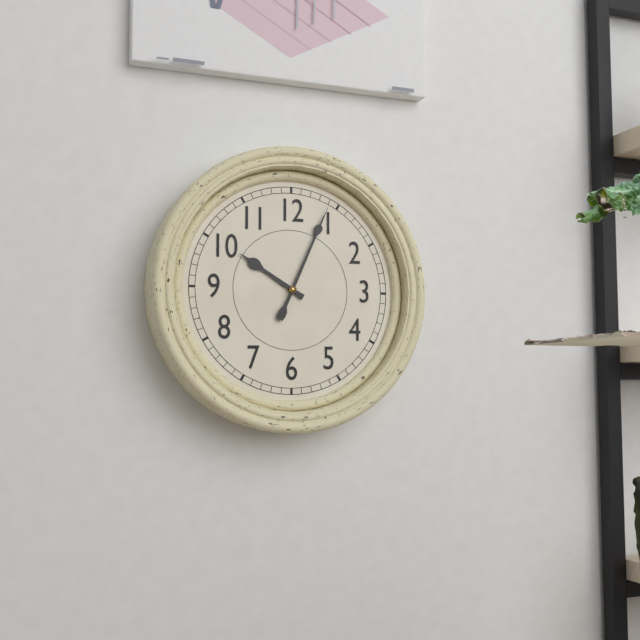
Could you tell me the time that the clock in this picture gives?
10:04
